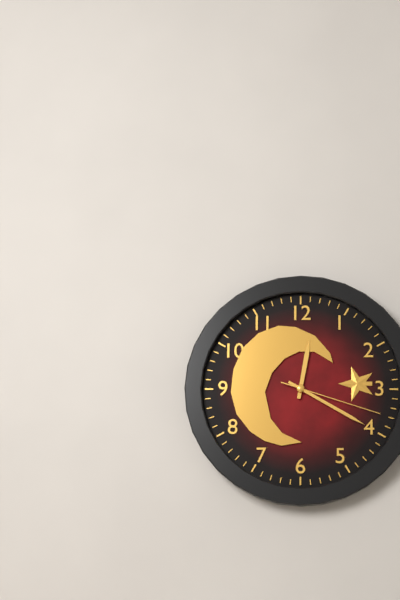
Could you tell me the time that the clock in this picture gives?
12:20:18
